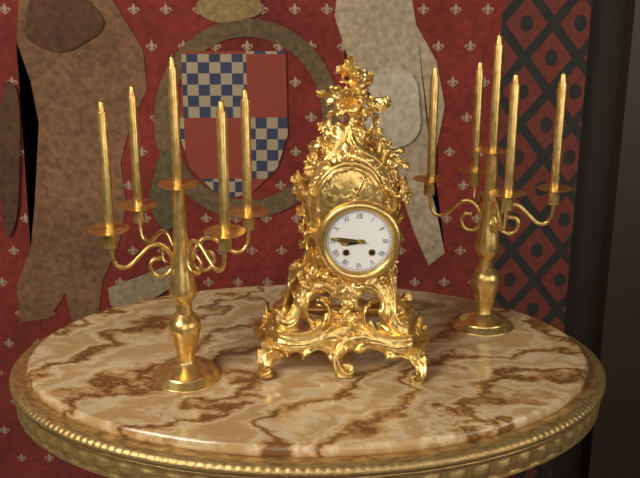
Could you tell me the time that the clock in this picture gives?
8:46
